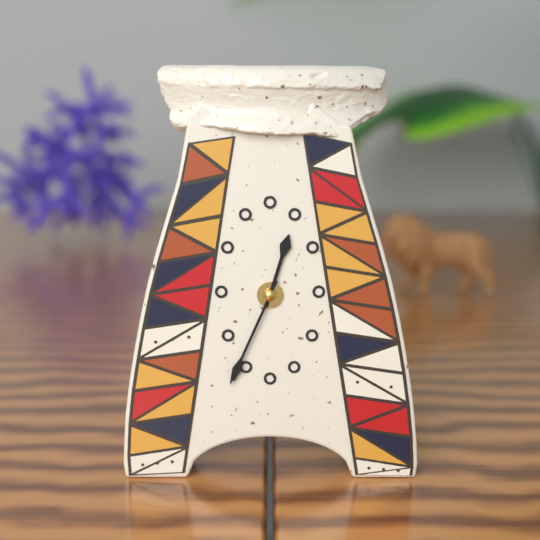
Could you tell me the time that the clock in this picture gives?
12:34
